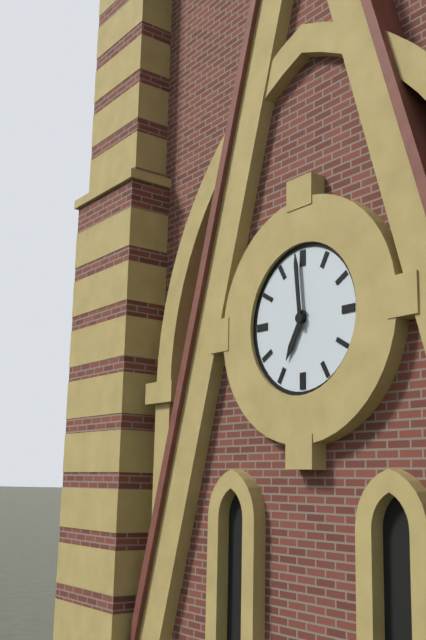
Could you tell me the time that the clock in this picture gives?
6:59
